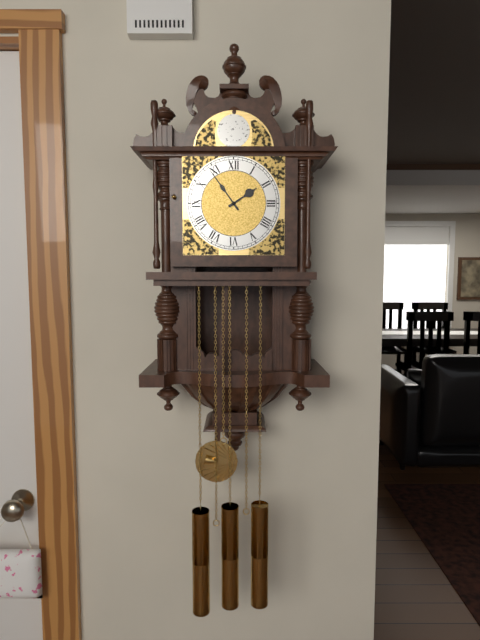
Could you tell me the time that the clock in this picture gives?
1:54
